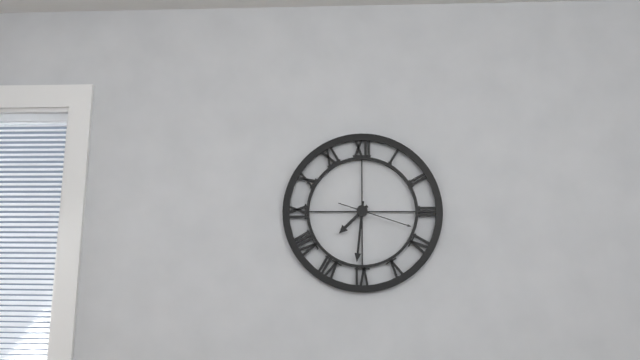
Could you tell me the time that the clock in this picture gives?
7:31:18
